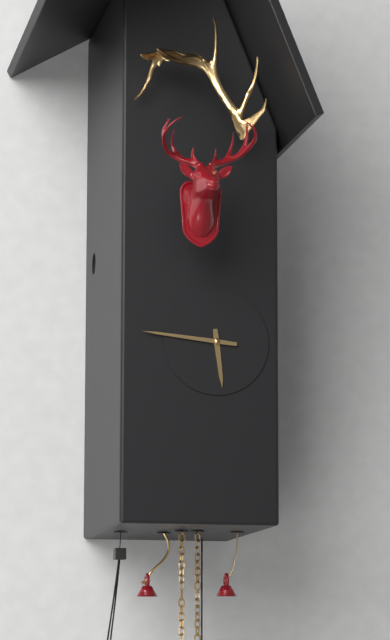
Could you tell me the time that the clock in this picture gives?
5:46
